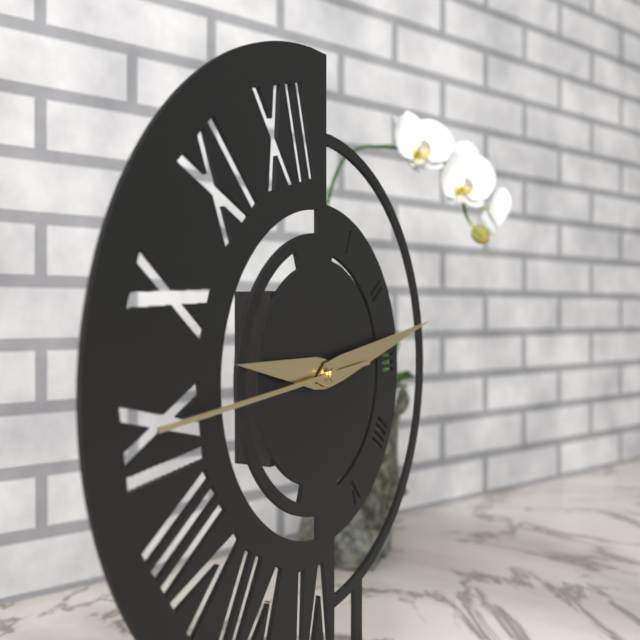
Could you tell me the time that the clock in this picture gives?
9:13:44
